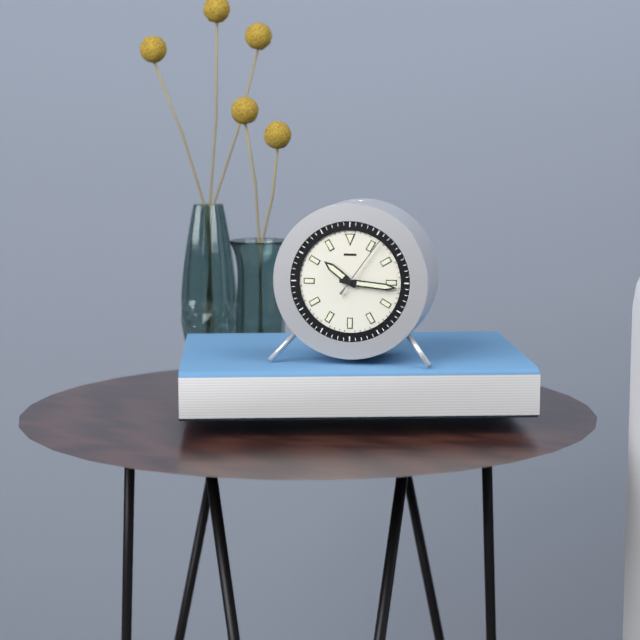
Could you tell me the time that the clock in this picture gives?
10:16:06
